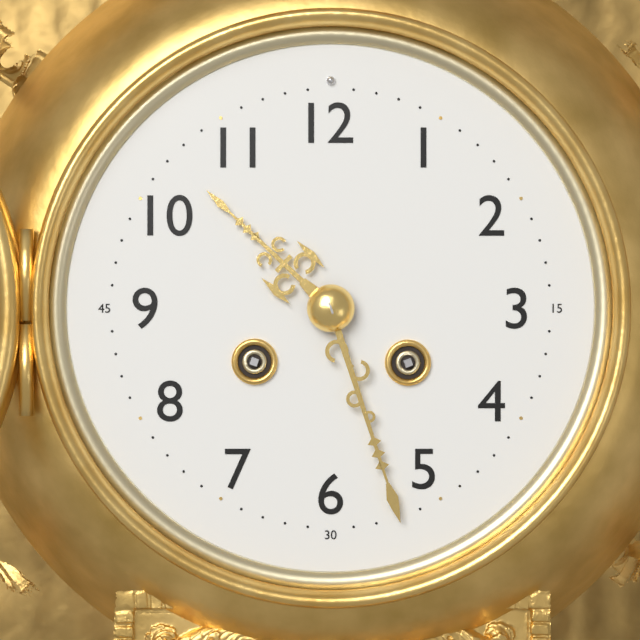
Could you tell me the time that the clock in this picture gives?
10:27
